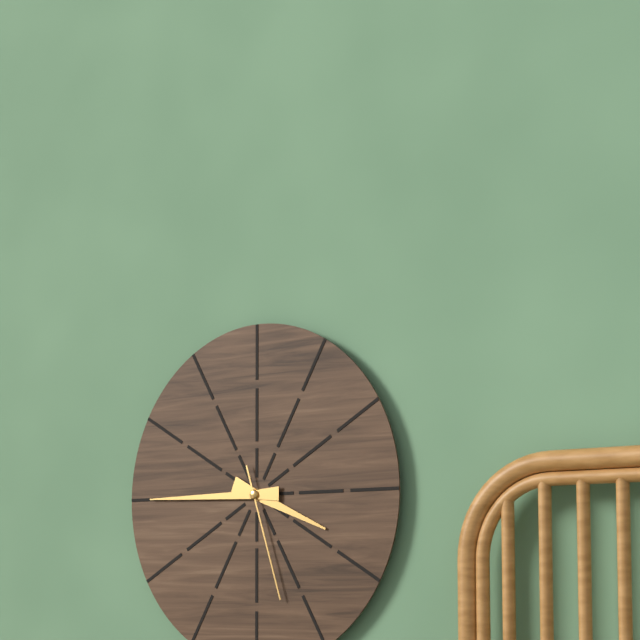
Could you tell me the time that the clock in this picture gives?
3:45:27
